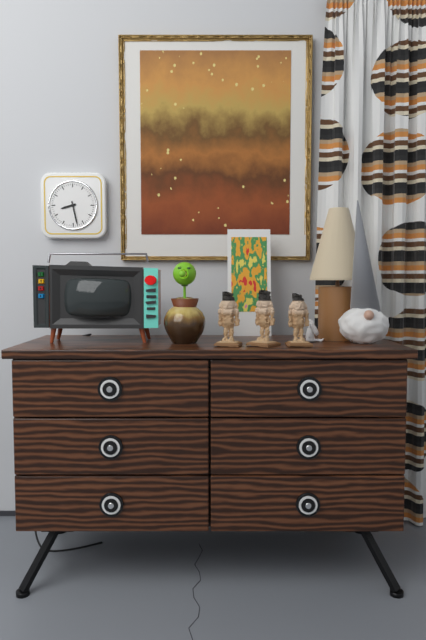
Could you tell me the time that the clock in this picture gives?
8:28
